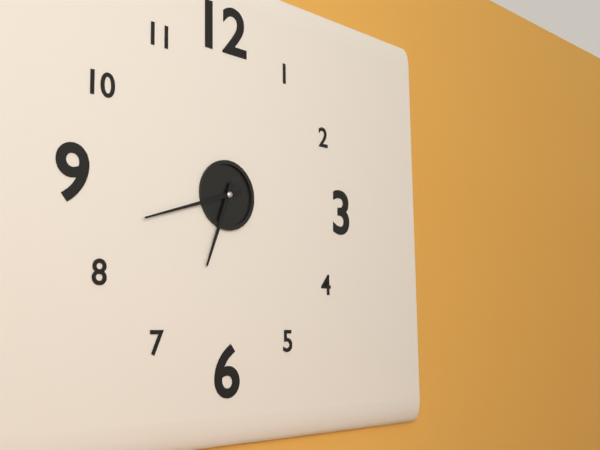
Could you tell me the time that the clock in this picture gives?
6:42
